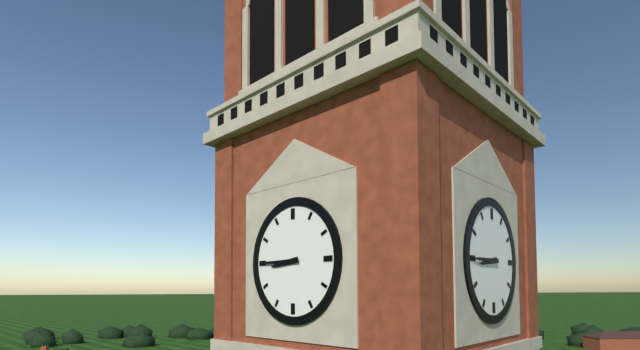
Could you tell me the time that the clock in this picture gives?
8:45
